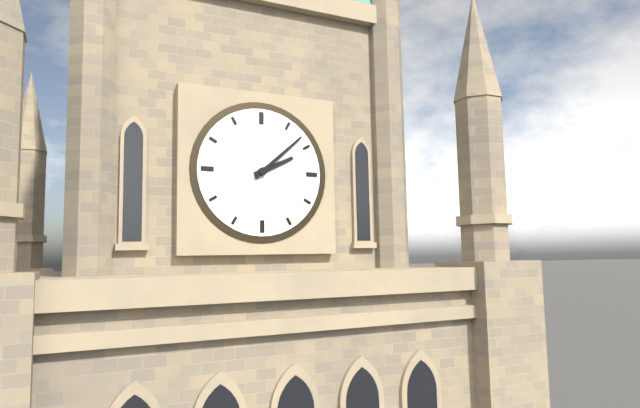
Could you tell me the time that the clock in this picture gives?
2:08
